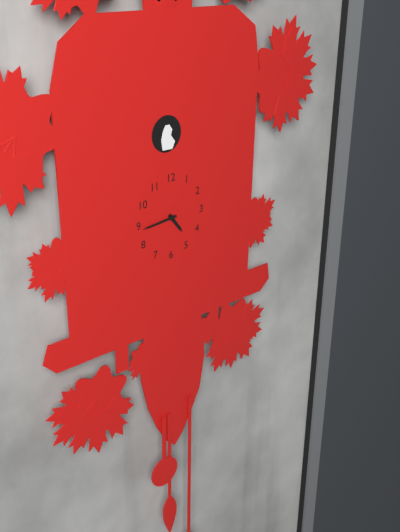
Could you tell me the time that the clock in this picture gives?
4:44
